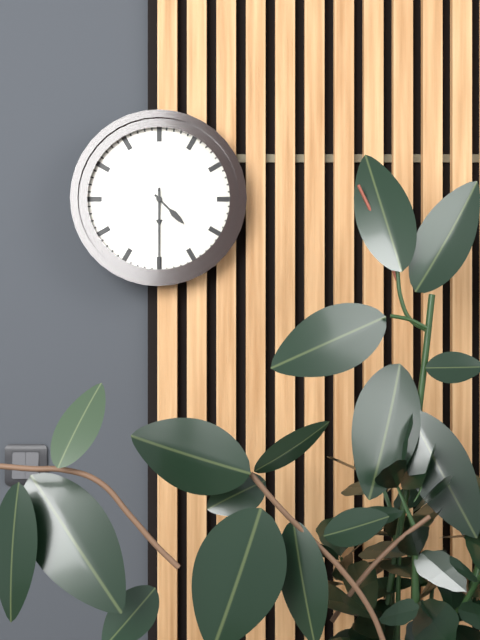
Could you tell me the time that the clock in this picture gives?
4:30
